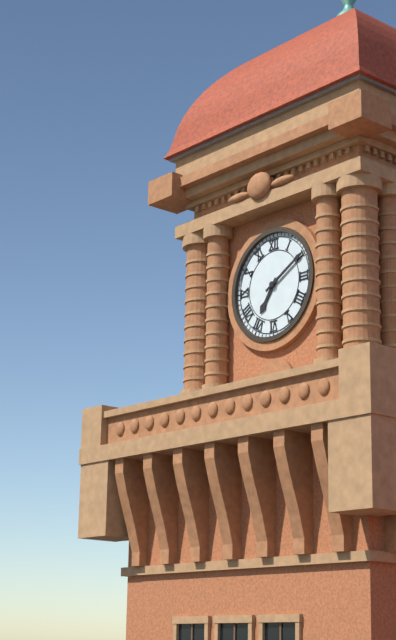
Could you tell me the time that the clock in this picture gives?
7:10
